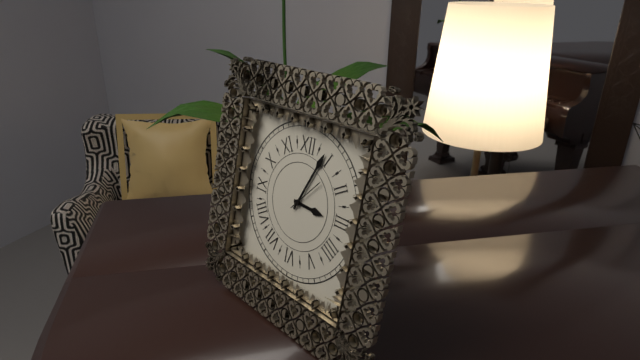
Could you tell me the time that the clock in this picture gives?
3:04
